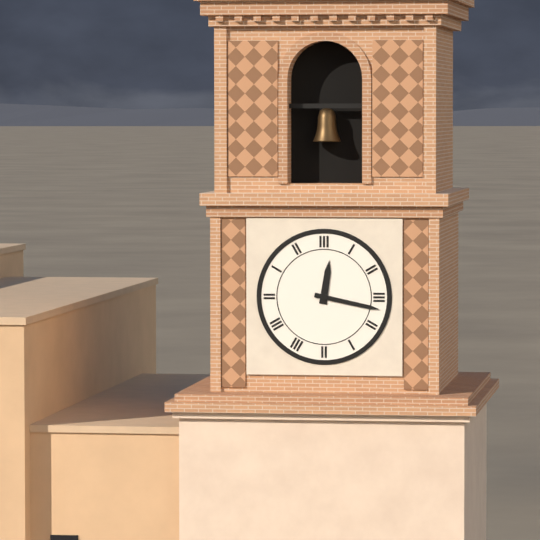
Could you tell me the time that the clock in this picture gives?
12:17
